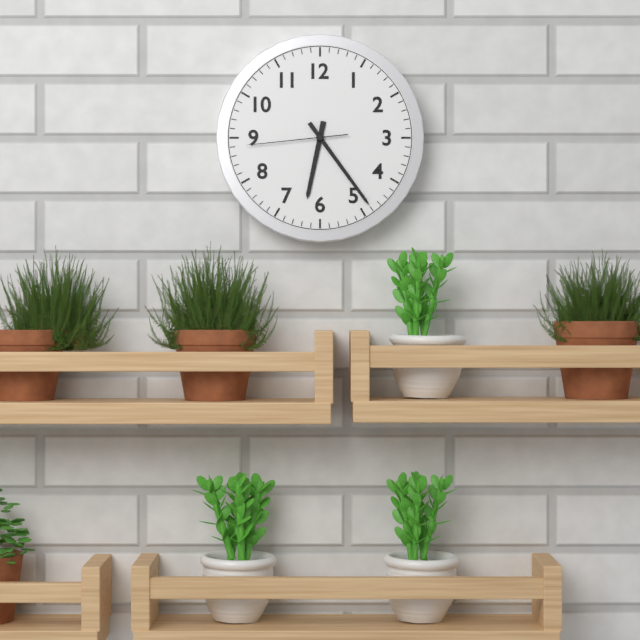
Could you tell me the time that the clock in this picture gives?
6:24:44
